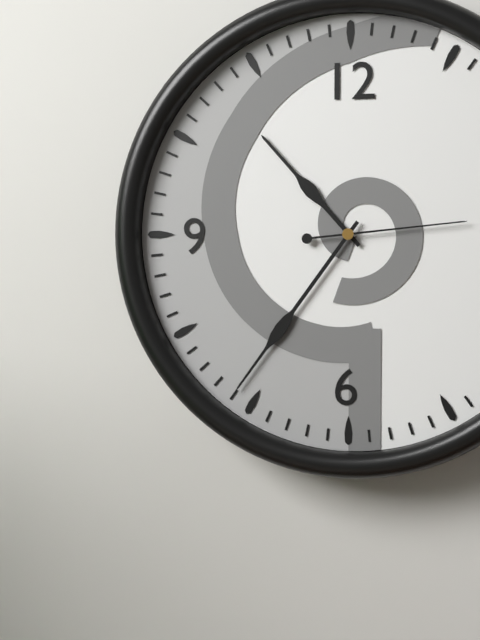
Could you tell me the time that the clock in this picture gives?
10:36:14
